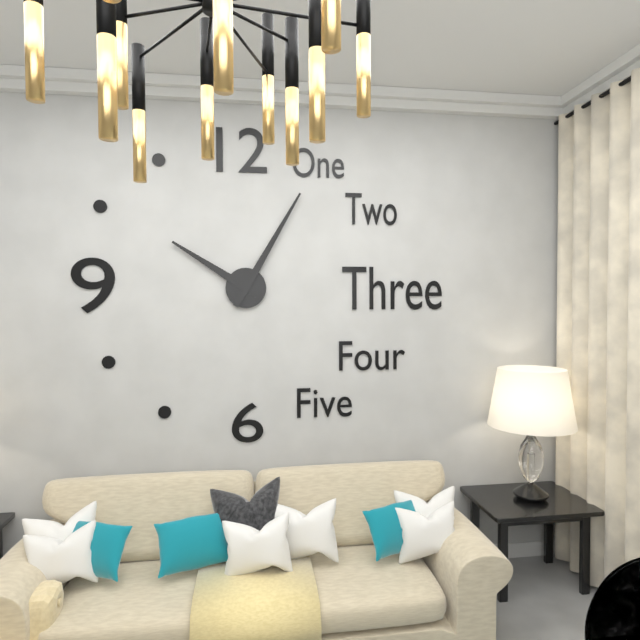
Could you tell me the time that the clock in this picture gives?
10:05
